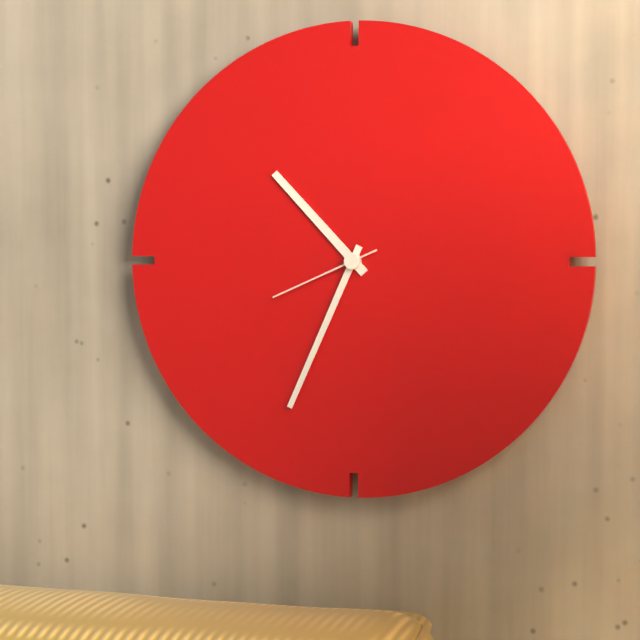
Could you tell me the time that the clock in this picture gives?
10:34:41
